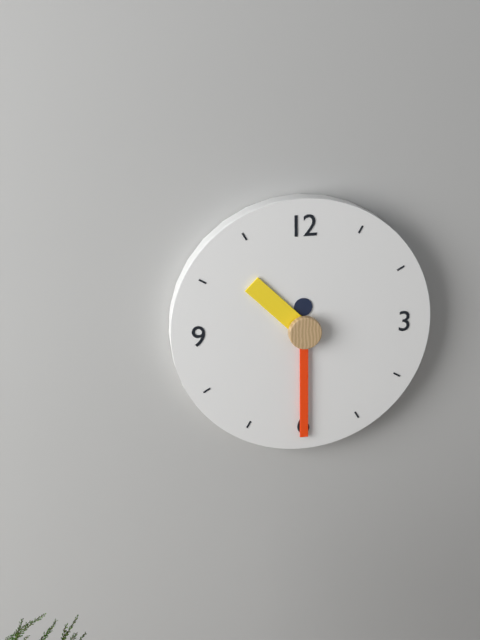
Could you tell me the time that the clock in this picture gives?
10:30
